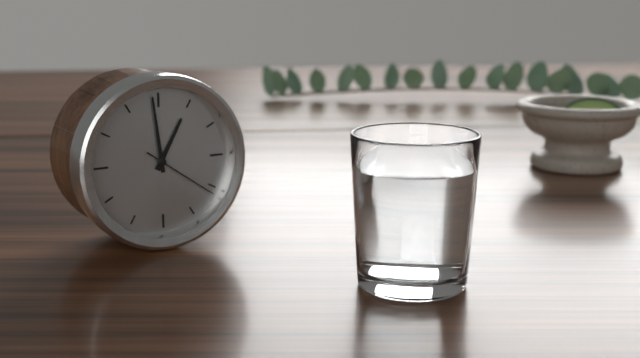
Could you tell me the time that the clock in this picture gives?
12:59:21
